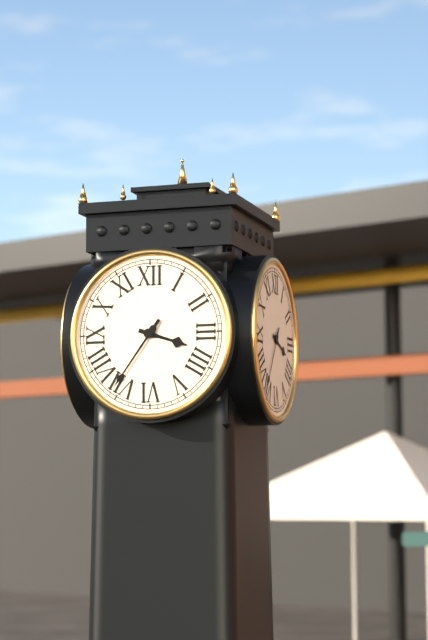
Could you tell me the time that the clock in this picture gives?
3:36
